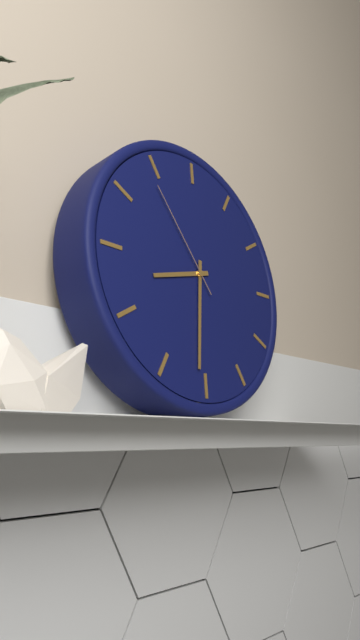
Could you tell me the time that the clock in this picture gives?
8:31:54
